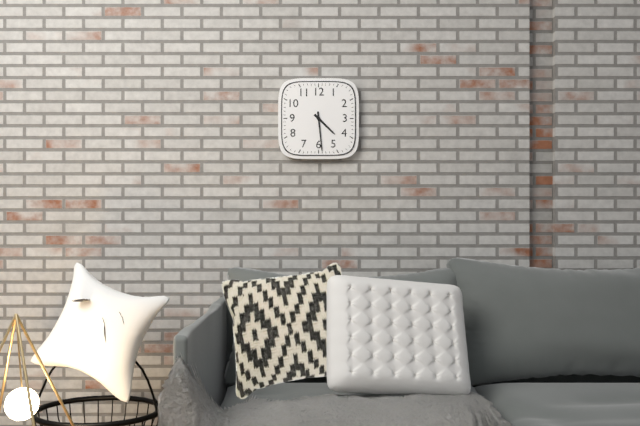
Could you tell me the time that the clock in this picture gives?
4:29
